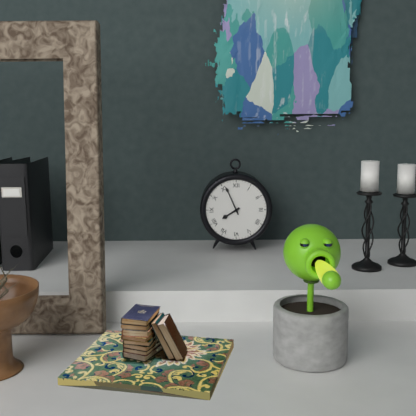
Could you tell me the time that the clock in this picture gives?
7:56
